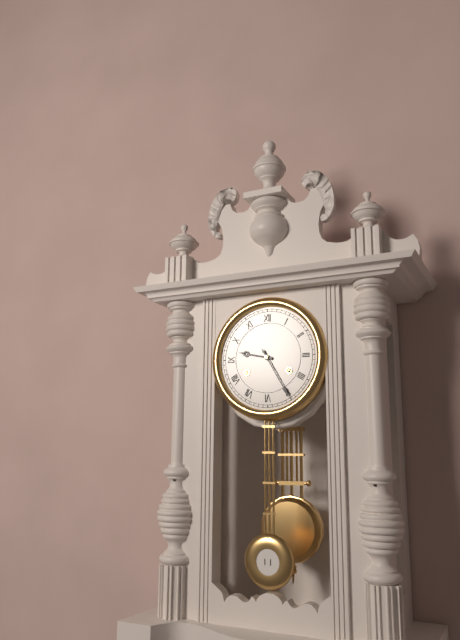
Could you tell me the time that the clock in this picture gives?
9:25
